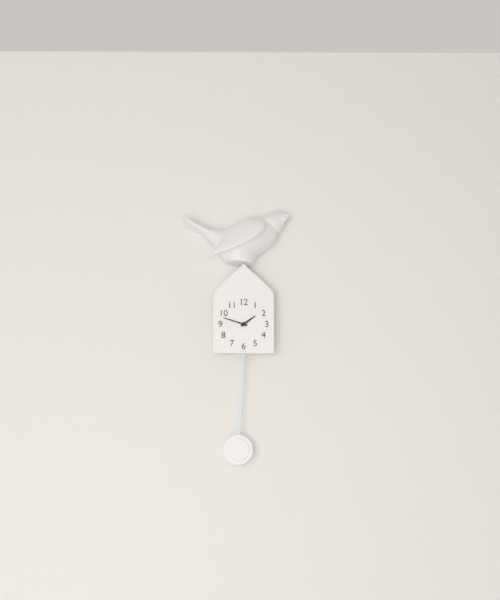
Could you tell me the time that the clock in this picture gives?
1:48
